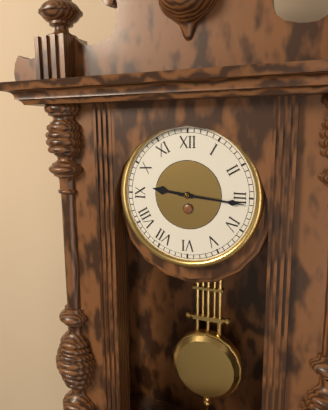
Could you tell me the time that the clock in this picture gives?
9:16
